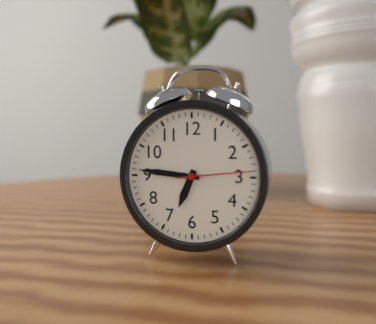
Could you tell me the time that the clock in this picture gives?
6:46:14
